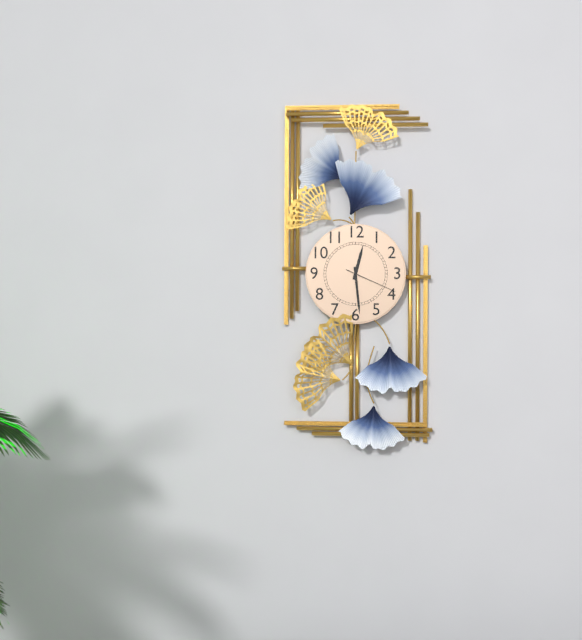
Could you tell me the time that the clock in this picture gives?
12:29:19
